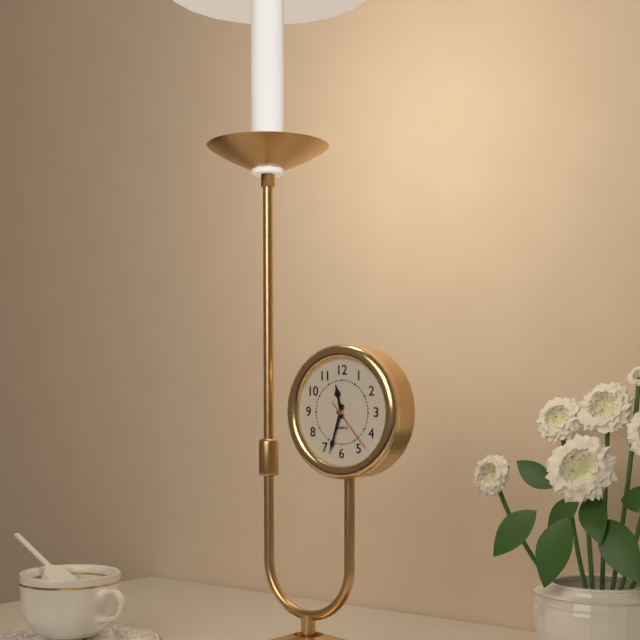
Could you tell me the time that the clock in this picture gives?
11:33:23
